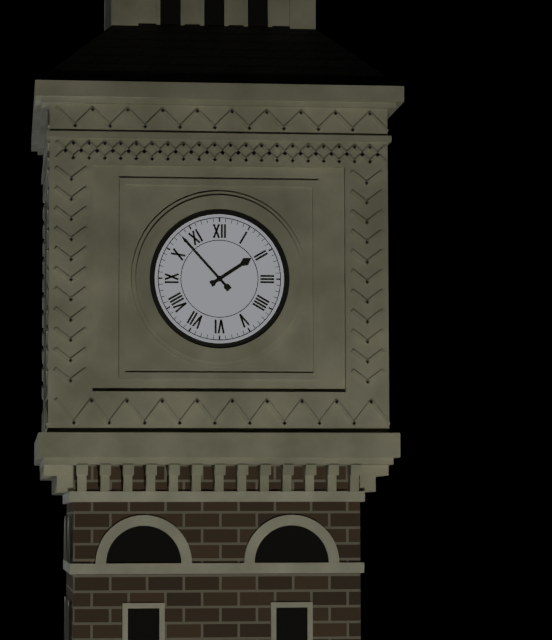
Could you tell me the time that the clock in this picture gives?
1:53
